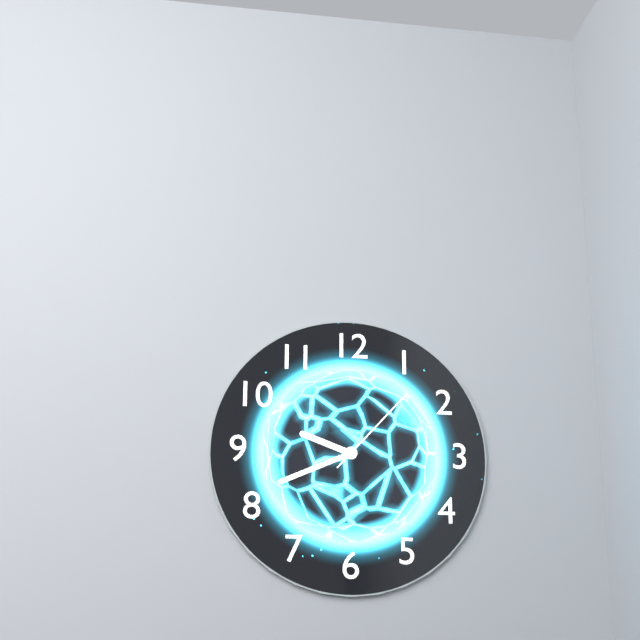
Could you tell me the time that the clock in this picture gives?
9:41:07
